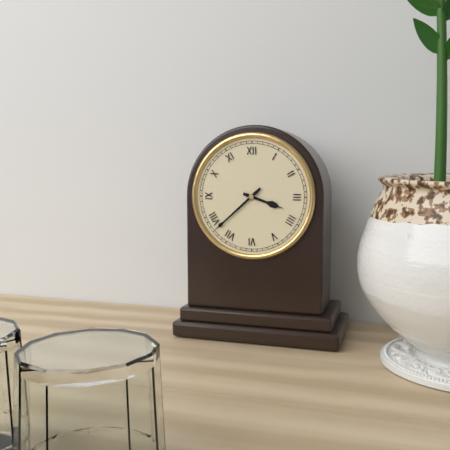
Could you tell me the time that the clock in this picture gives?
3:38
